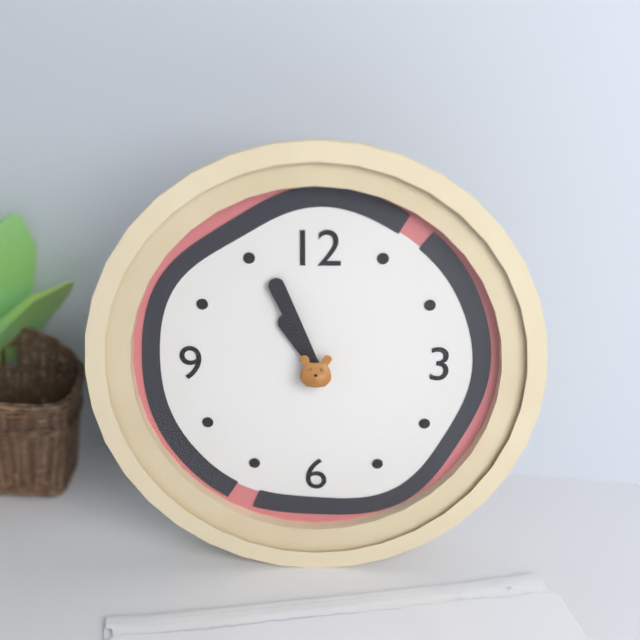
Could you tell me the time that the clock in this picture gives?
10:56
